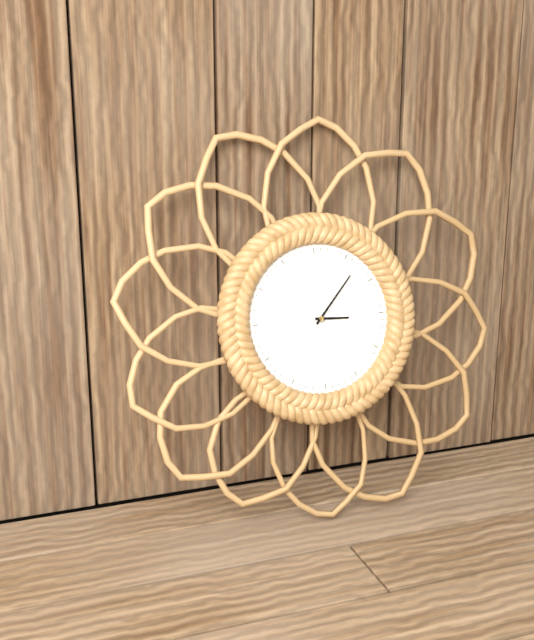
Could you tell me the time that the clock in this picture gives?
3:07
